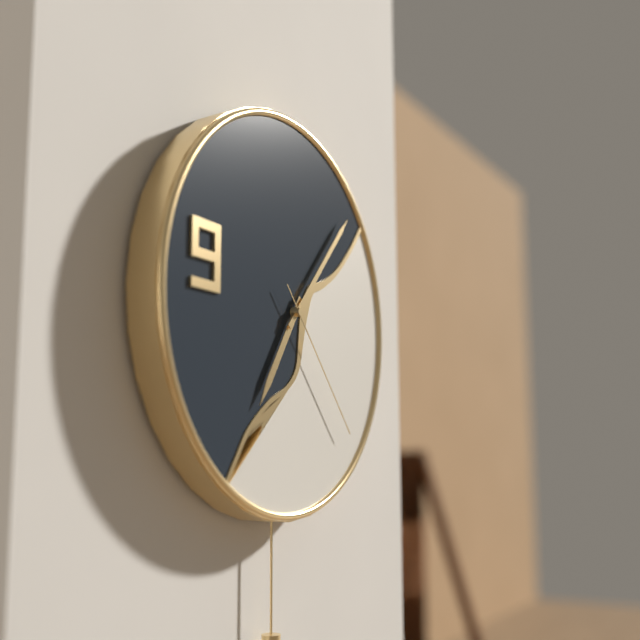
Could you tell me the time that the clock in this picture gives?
7:07:23
